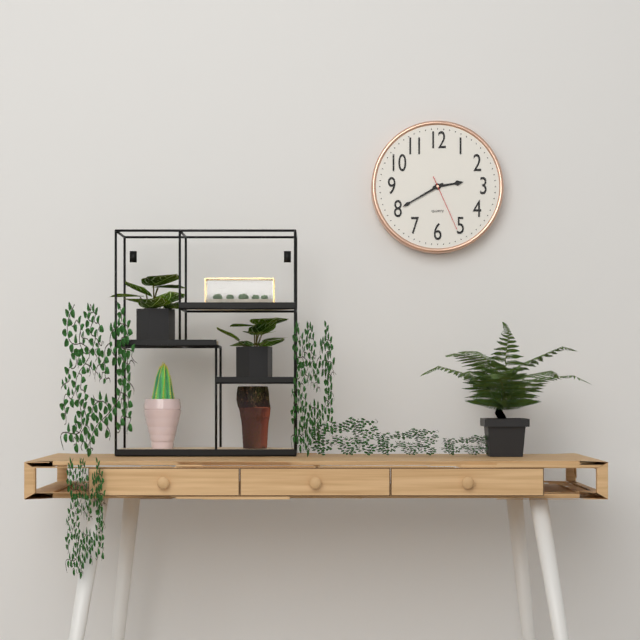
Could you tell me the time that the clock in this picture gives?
2:40:26
